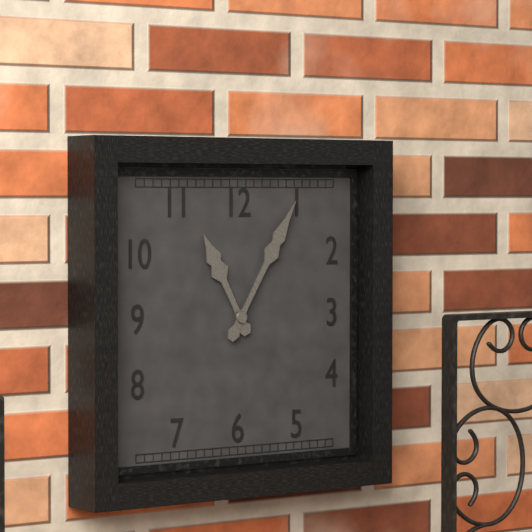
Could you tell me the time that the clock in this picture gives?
11:05
